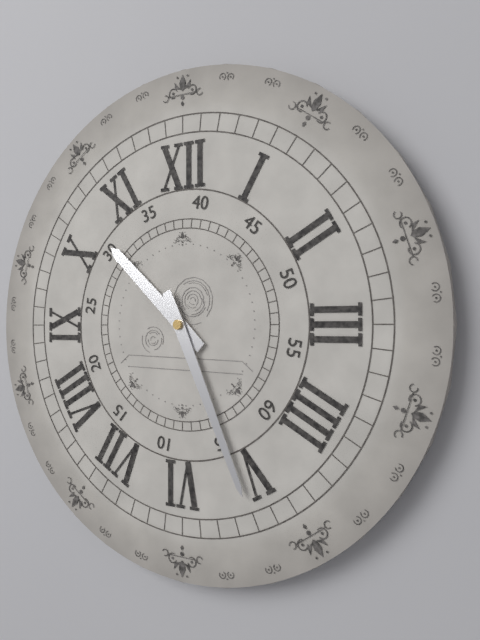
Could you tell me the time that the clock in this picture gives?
10:26
